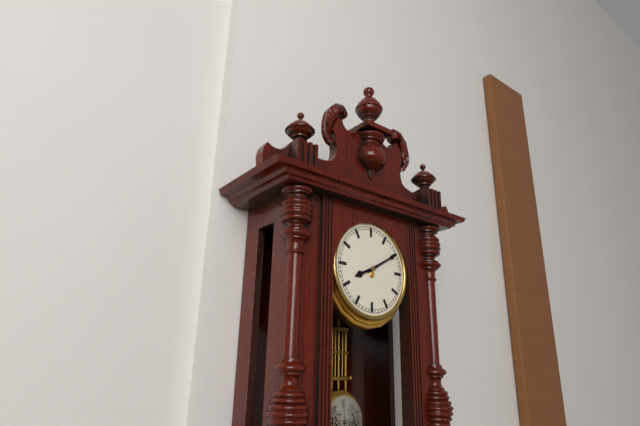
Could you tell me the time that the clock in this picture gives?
8:10
